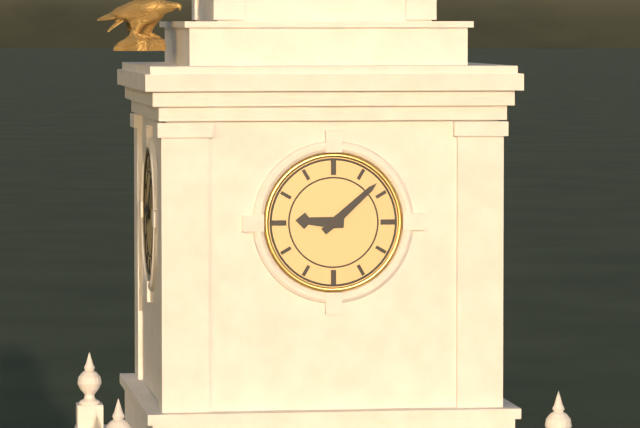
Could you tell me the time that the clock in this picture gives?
9:08
